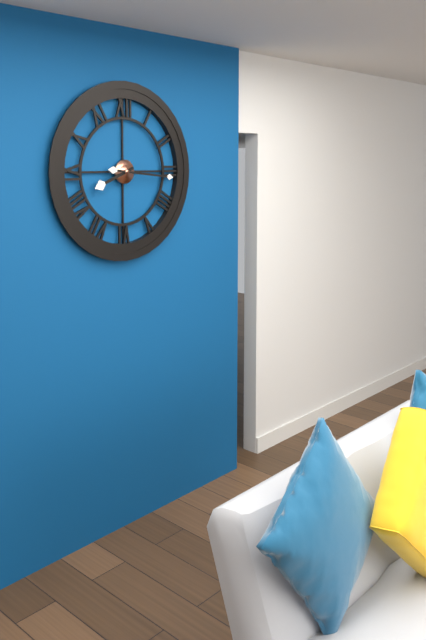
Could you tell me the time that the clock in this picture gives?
8:16
